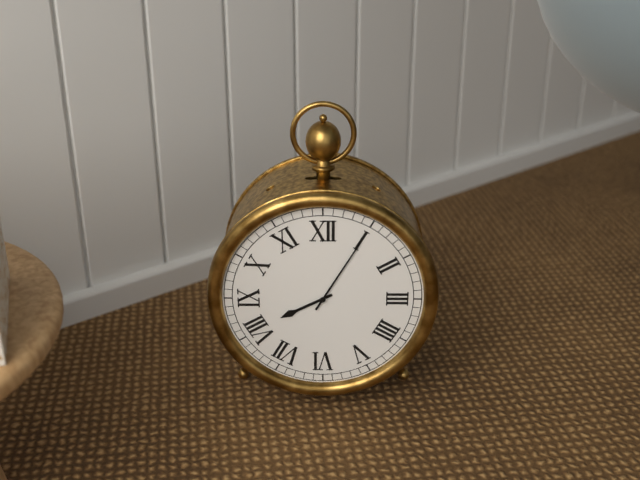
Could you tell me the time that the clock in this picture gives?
8:05
